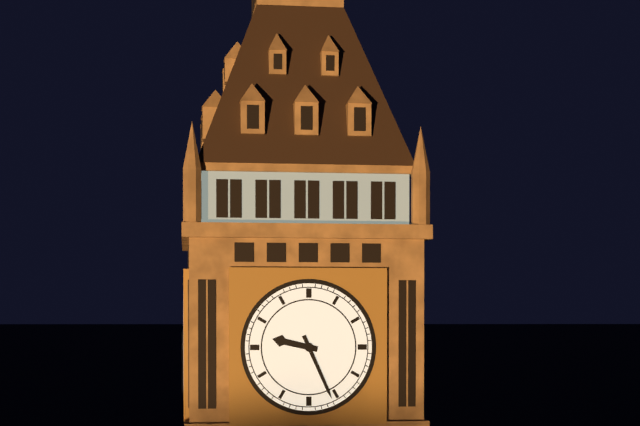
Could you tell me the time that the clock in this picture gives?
9:26
